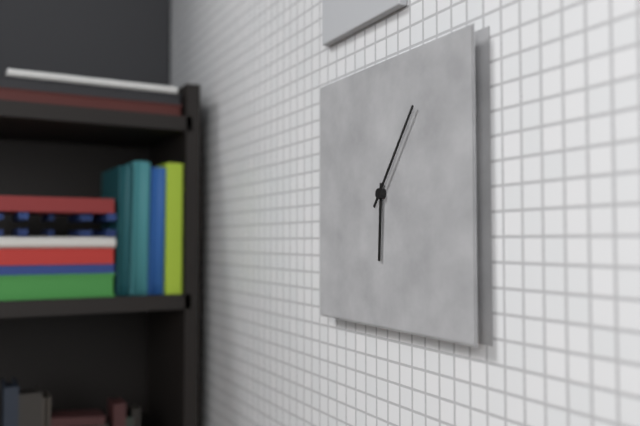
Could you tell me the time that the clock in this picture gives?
6:06
